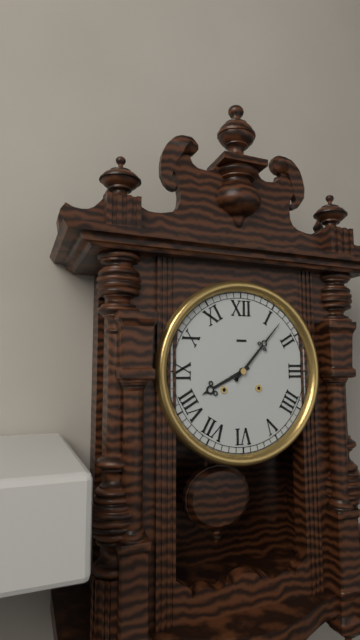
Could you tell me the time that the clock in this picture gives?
8:07
